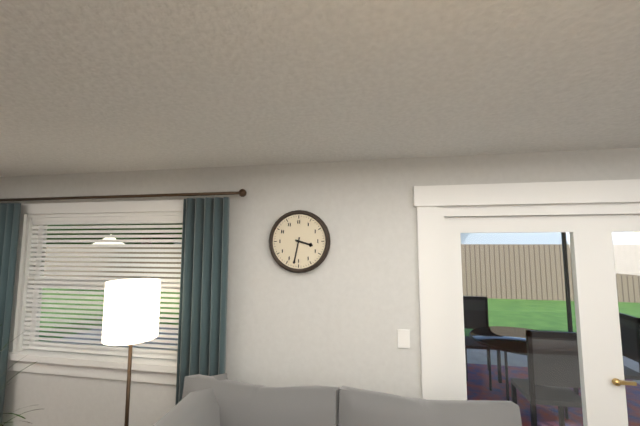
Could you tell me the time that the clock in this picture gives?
3:32
